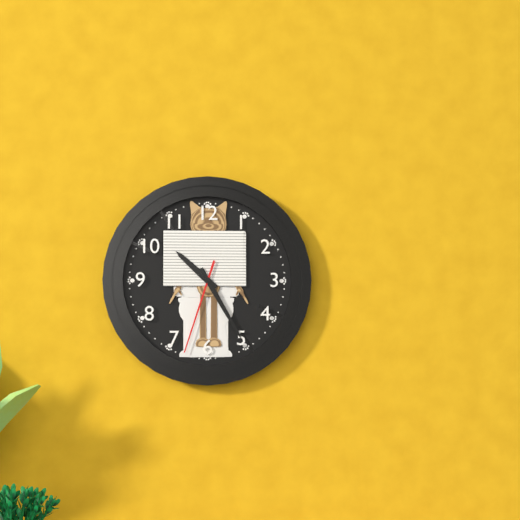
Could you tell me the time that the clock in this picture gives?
10:25:33
